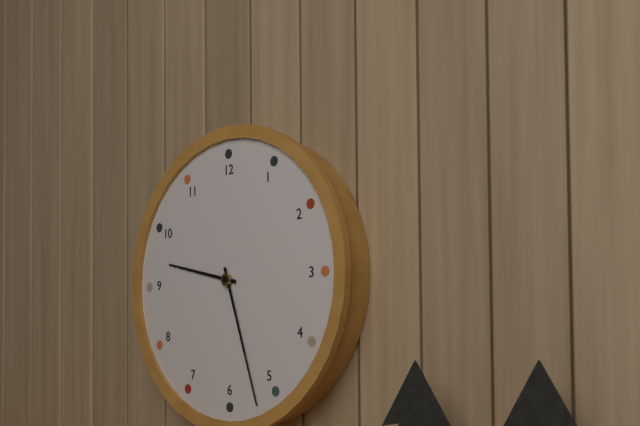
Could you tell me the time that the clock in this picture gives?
9:27
